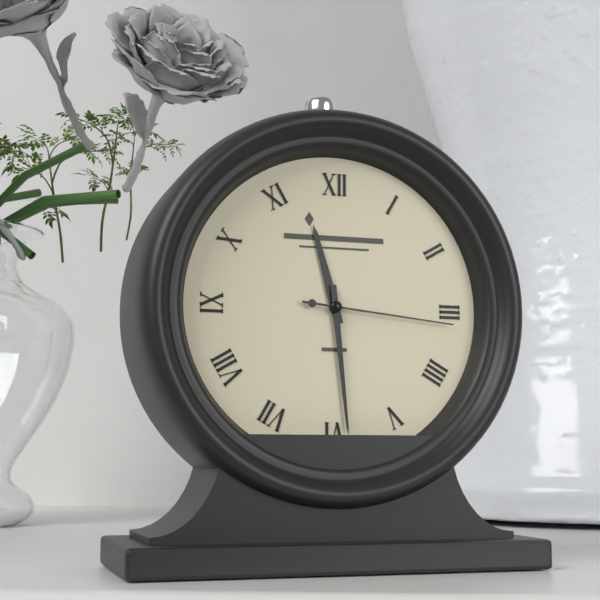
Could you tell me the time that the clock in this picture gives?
11:29:16
